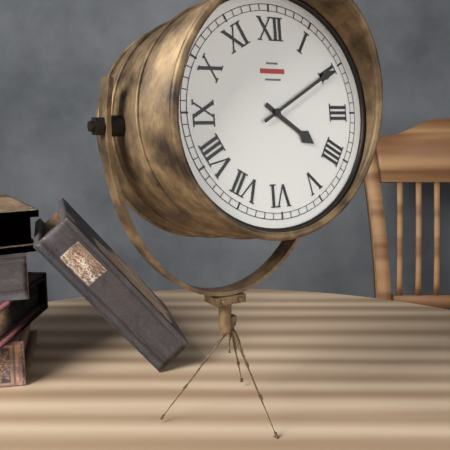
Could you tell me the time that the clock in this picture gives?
4:10
